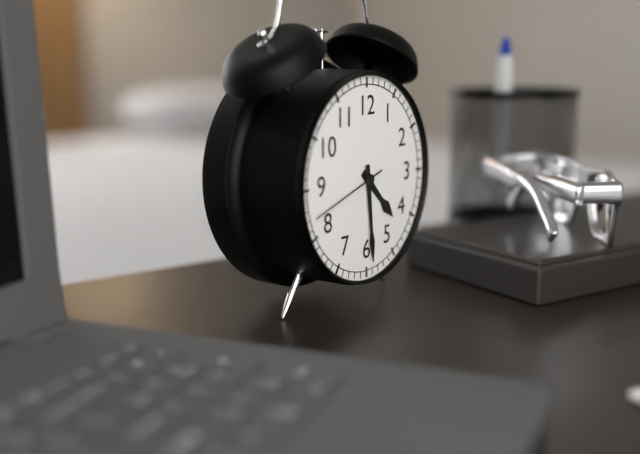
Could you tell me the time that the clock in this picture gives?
4:29:42
